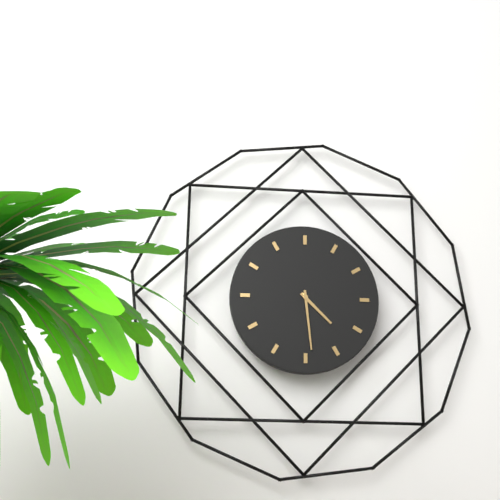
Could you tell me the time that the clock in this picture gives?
4:29
